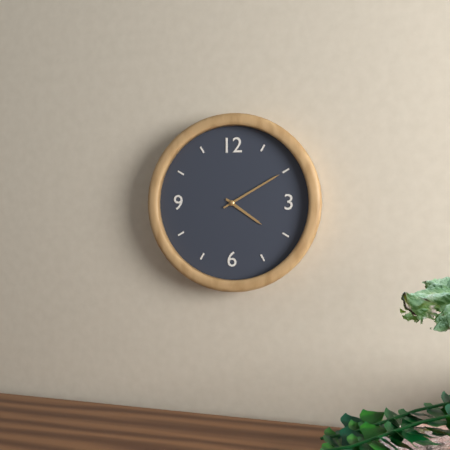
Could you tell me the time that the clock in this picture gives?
4:10
